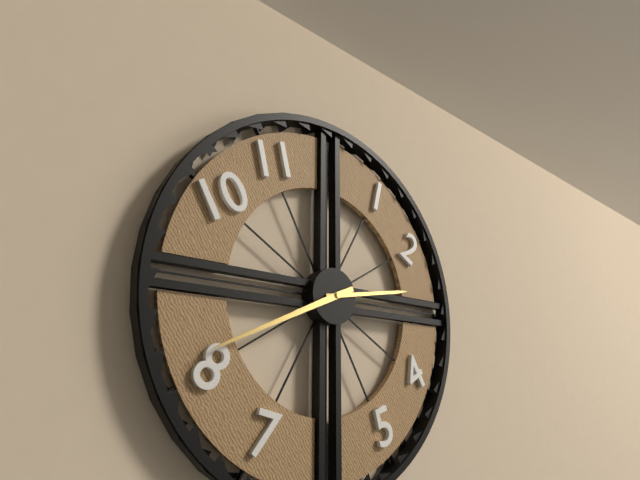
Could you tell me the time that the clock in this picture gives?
2:41
